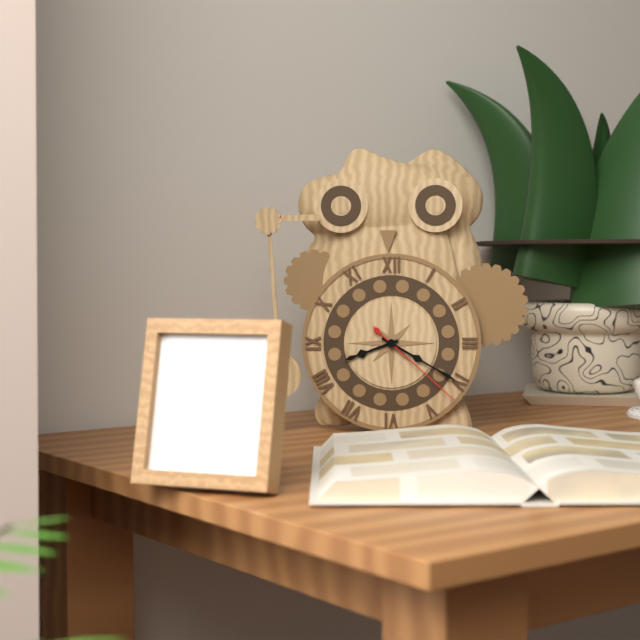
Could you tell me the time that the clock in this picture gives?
8:20:22
